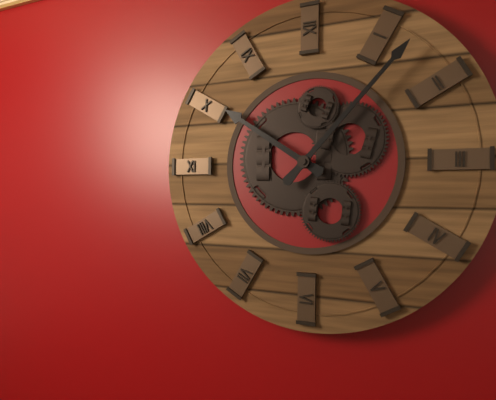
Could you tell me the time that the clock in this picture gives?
10:07
